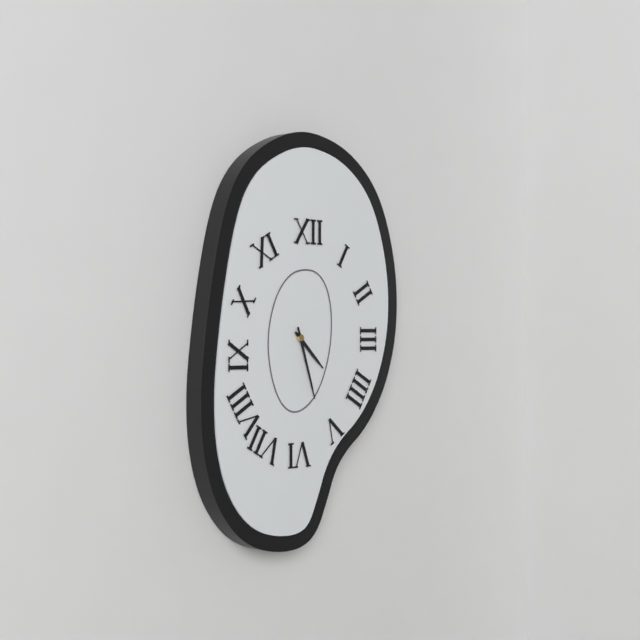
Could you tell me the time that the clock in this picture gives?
4:27
